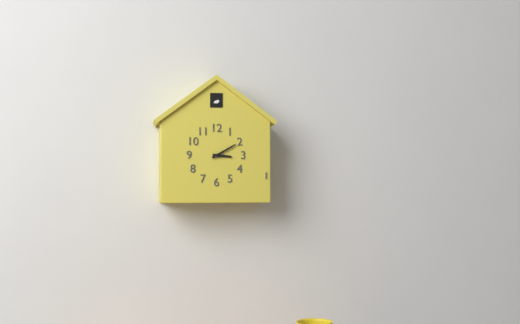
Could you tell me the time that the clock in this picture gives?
3:10
